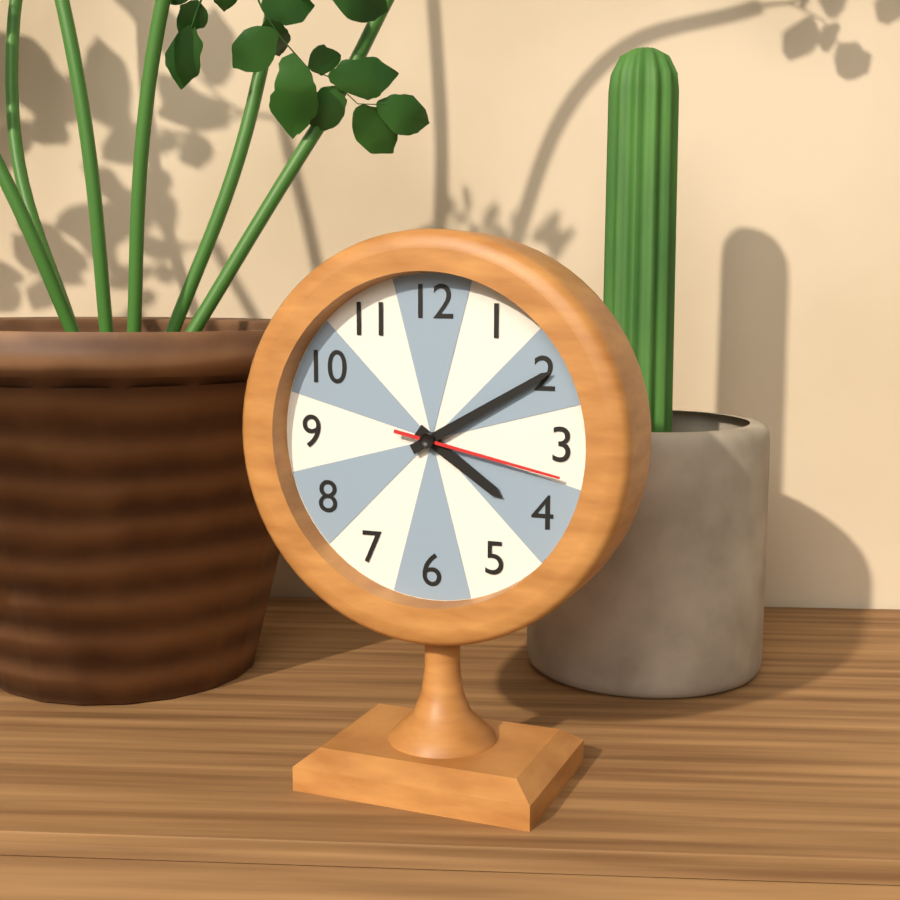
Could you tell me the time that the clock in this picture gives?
4:10:17
